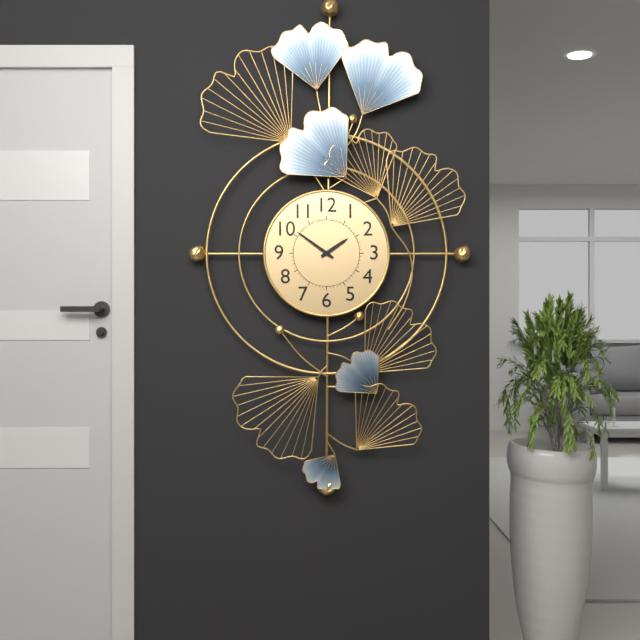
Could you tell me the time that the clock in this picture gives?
1:51
